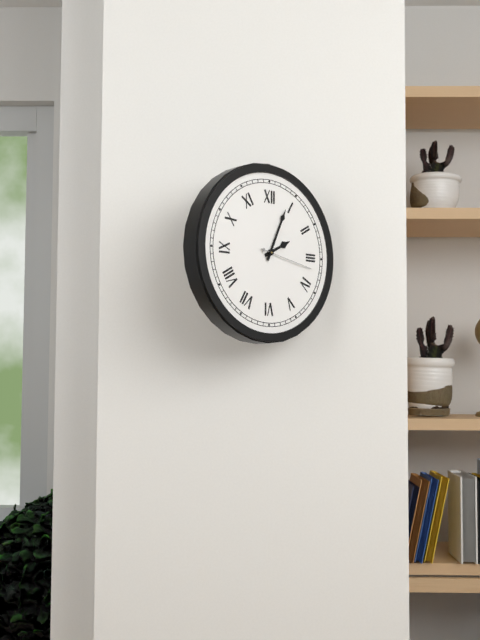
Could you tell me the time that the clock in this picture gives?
2:04:17
